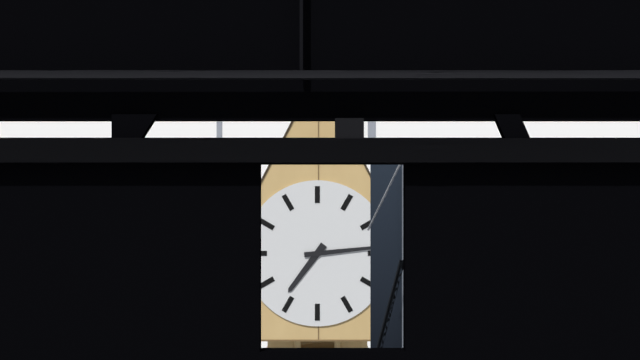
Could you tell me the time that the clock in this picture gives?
7:14
